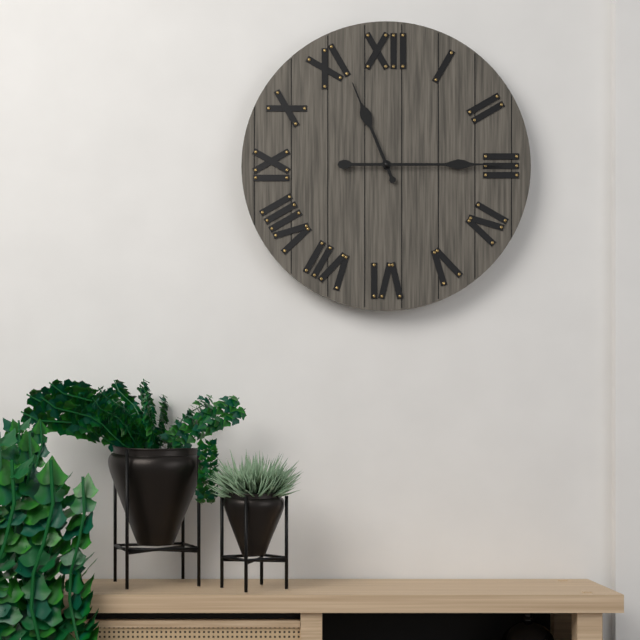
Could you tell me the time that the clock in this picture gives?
11:15
